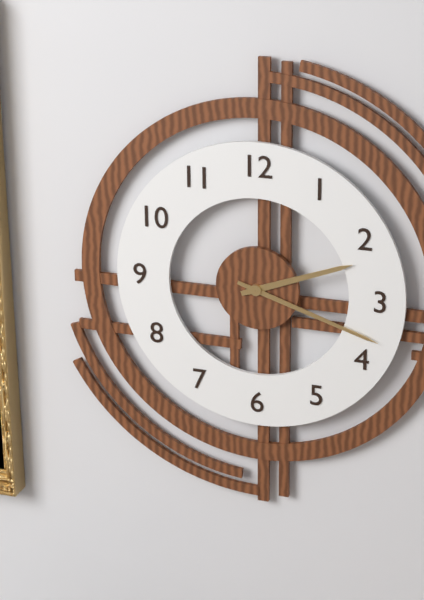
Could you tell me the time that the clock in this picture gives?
2:18
